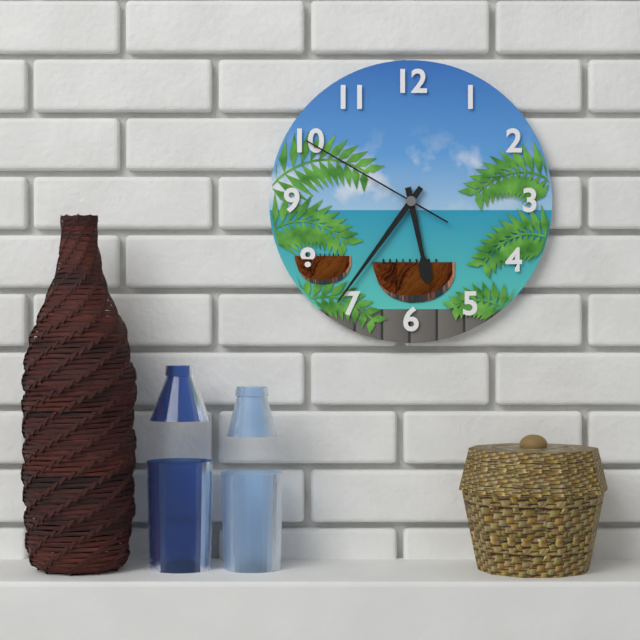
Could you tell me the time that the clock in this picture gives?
5:36:50
